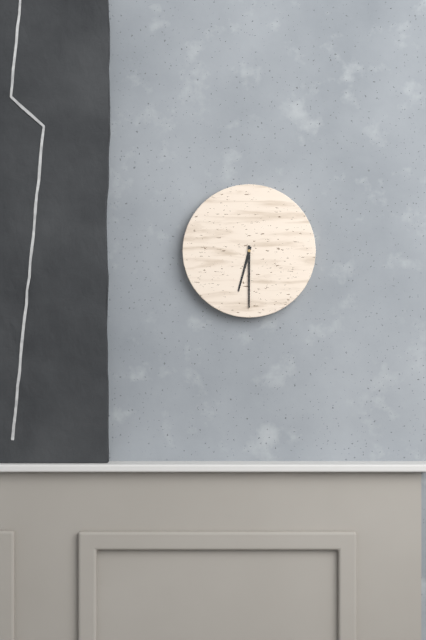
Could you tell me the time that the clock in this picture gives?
6:30
